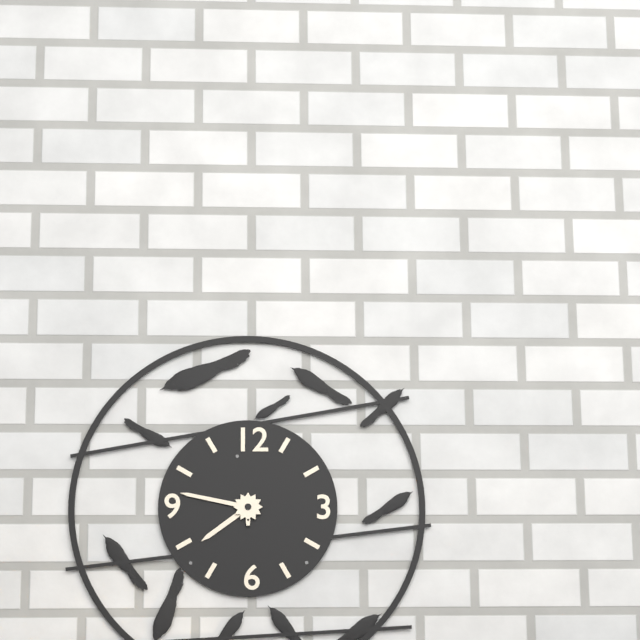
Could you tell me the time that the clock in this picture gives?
7:47
